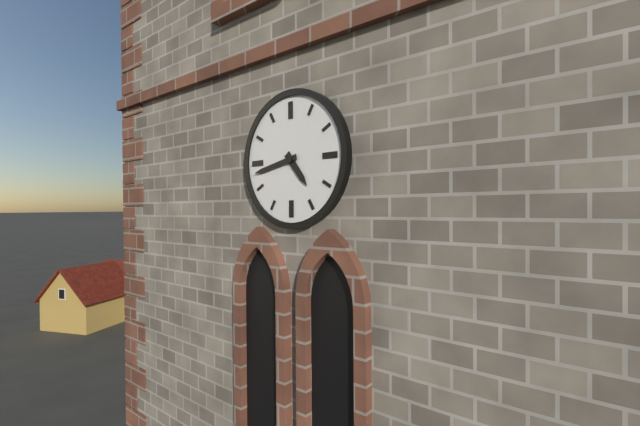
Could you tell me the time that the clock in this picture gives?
4:43
